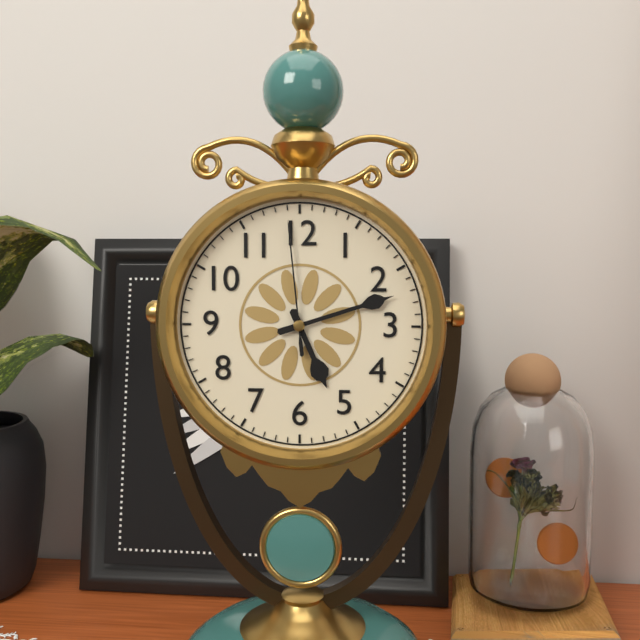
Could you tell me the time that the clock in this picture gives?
5:12:59
